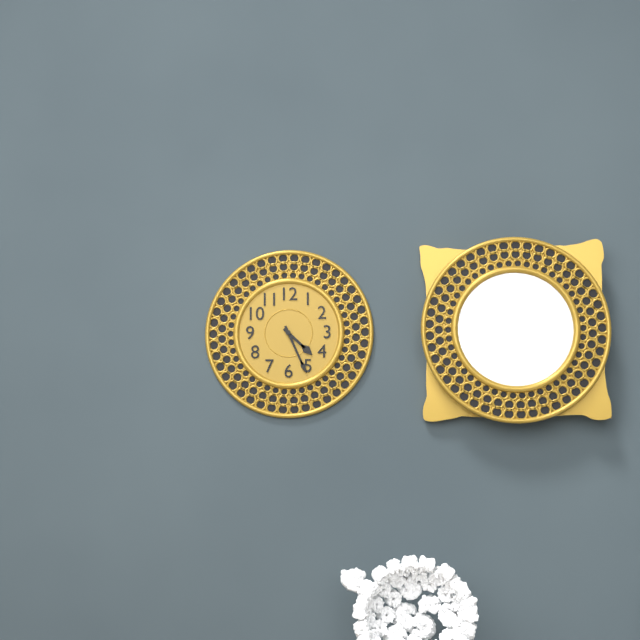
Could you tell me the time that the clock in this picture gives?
4:26
